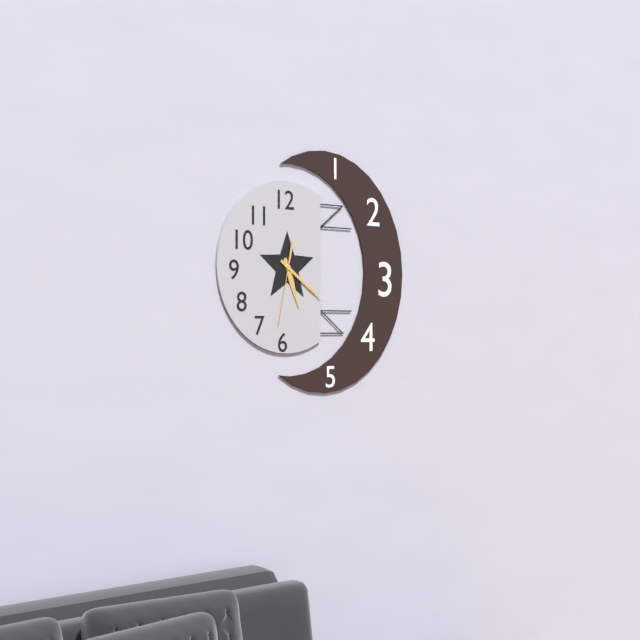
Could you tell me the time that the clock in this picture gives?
5:21:32
